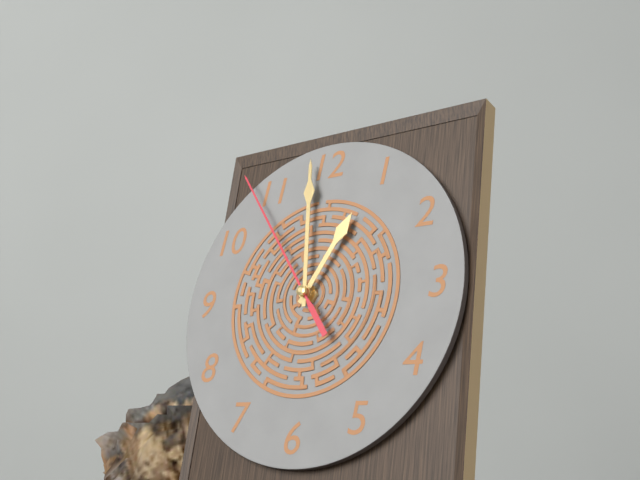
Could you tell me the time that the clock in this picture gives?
12:59:54
